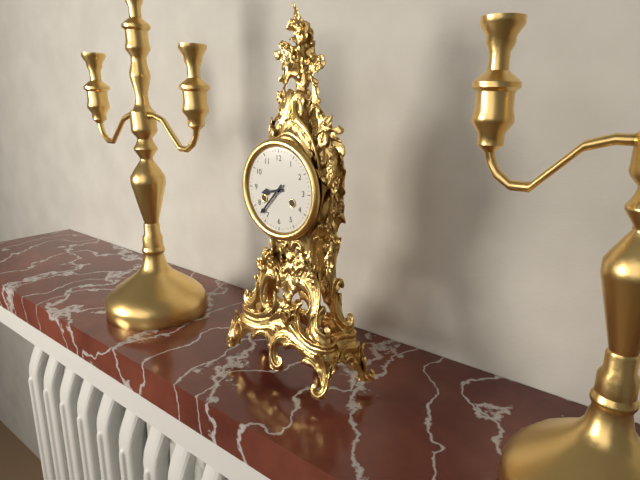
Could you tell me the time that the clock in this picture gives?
8:37
